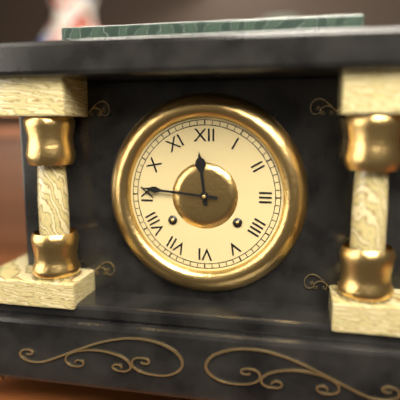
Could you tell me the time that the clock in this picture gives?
11:46
